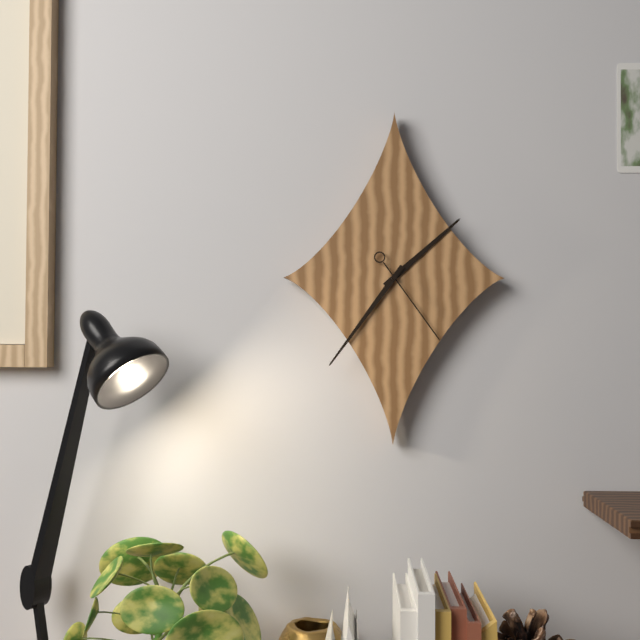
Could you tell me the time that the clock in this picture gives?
1:36:24
